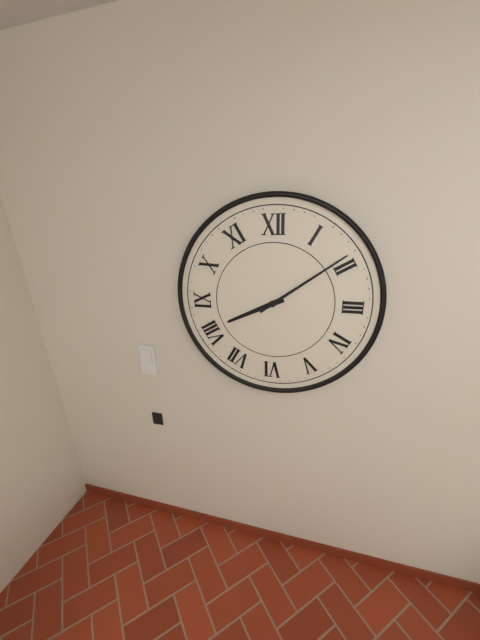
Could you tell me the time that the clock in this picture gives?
8:09
